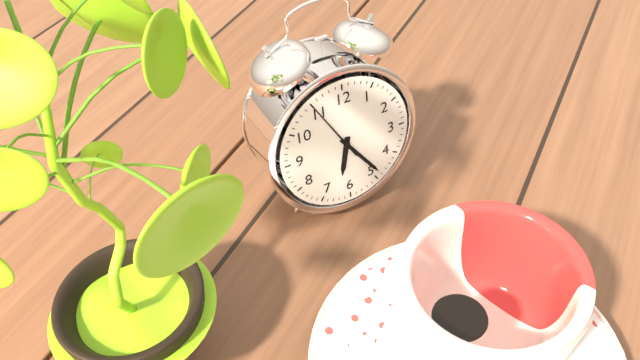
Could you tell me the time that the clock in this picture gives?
6:24:55
